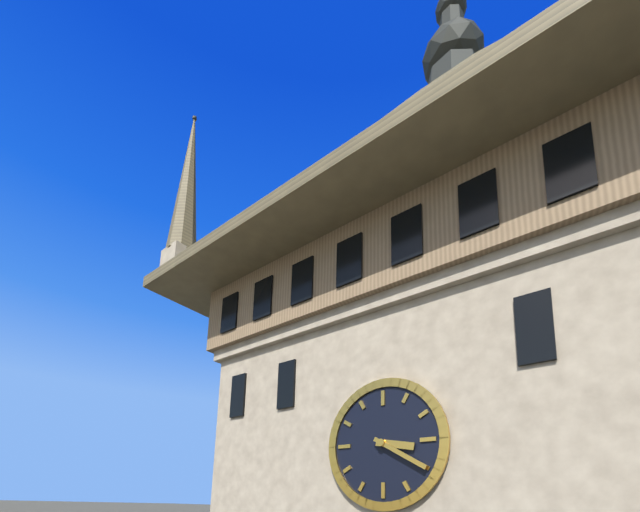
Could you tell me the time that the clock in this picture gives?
3:20
